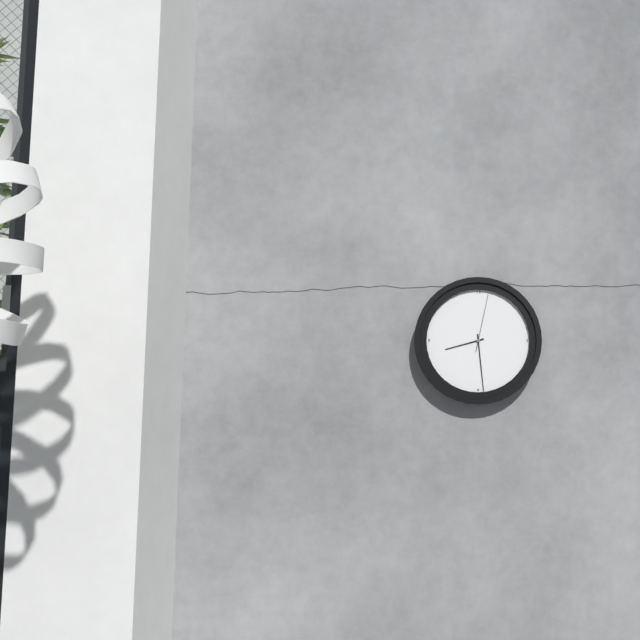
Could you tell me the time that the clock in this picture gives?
8:29:02
